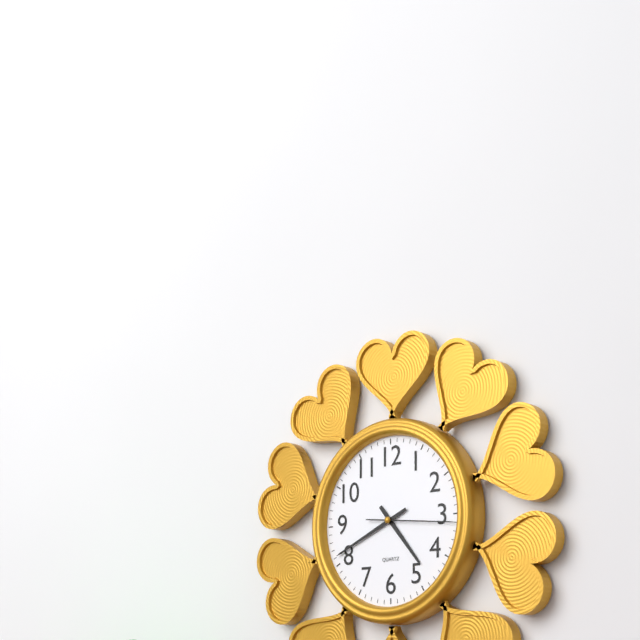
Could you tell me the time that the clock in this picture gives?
4:41:16
